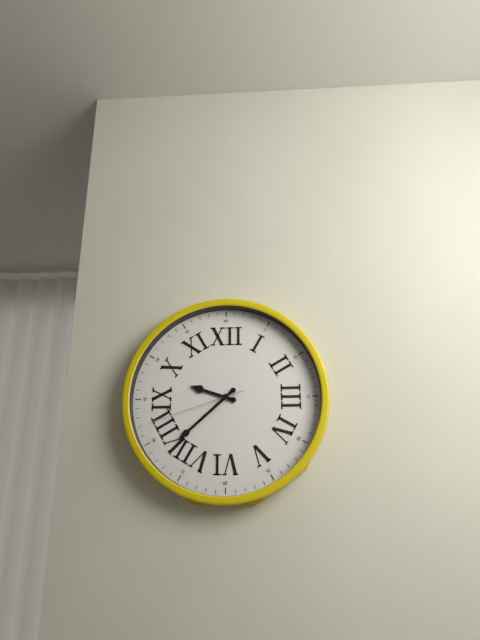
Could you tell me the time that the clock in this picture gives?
9:38:42
